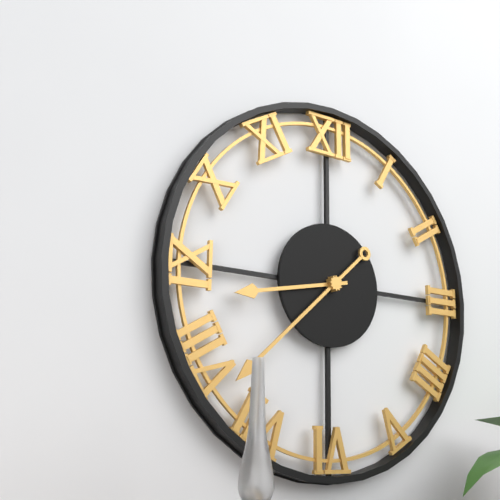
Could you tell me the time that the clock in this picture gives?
8:38
